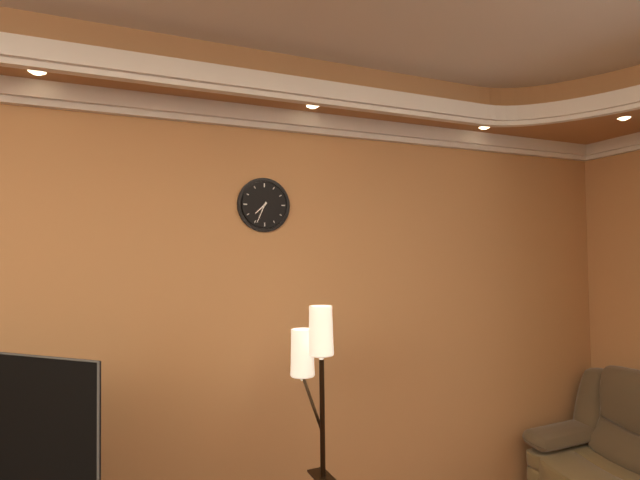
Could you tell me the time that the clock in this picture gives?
7:34
